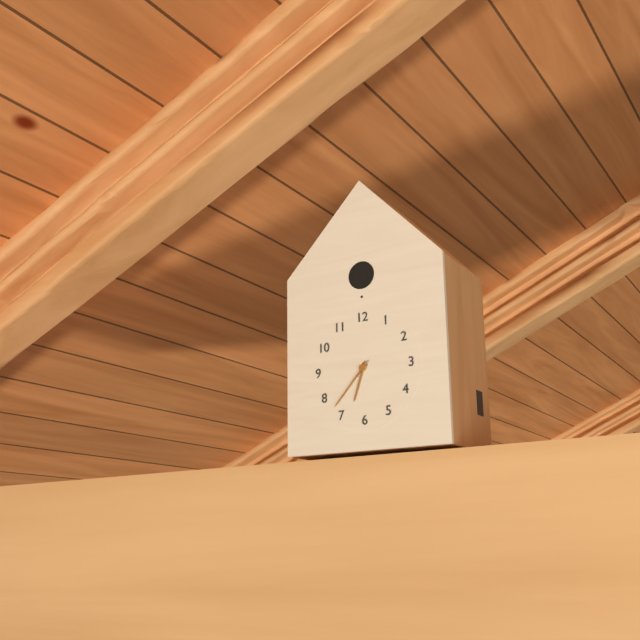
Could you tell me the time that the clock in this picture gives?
6:37
